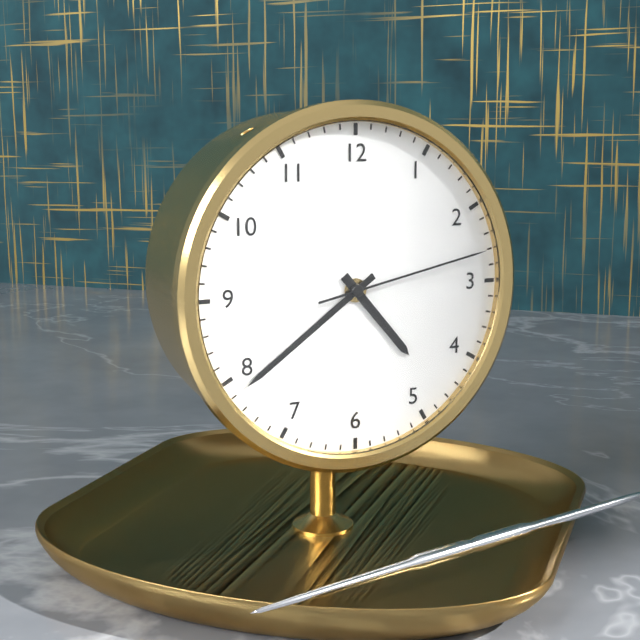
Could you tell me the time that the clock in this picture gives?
4:39:13
